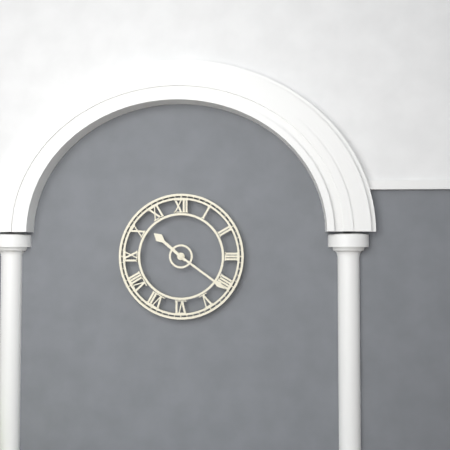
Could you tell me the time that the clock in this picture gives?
10:21
